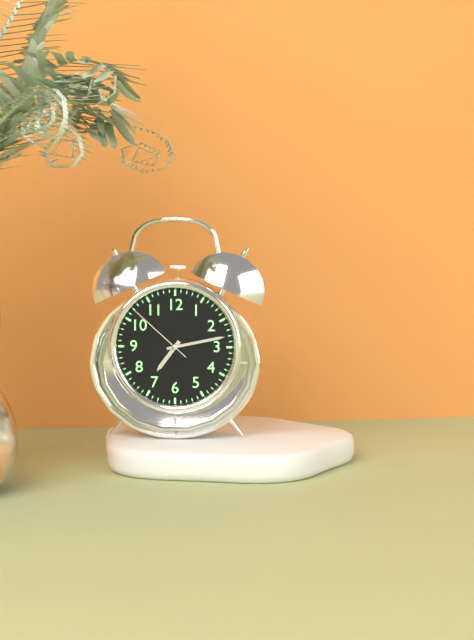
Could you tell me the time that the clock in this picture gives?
7:13:52
